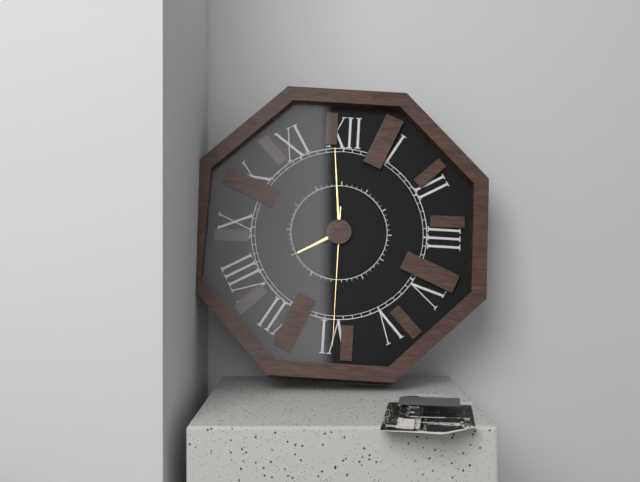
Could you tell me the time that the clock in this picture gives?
7:59:30
